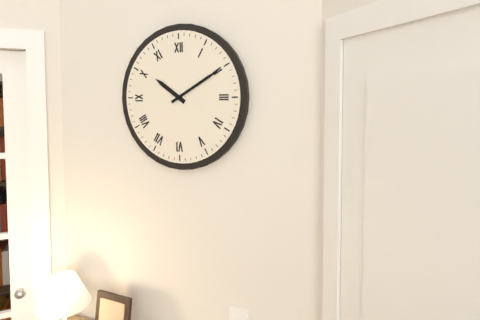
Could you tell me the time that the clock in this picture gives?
10:10
